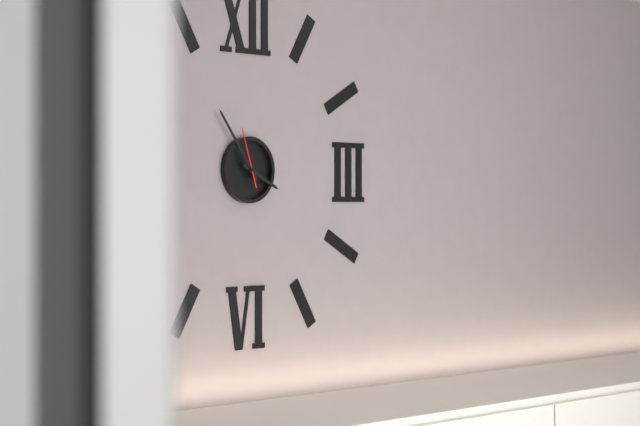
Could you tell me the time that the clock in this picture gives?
3:54:57
